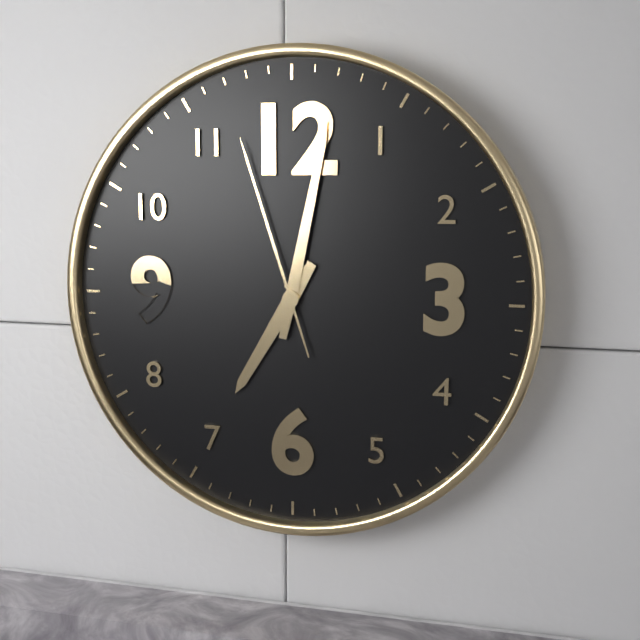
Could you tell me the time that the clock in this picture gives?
7:02:57
